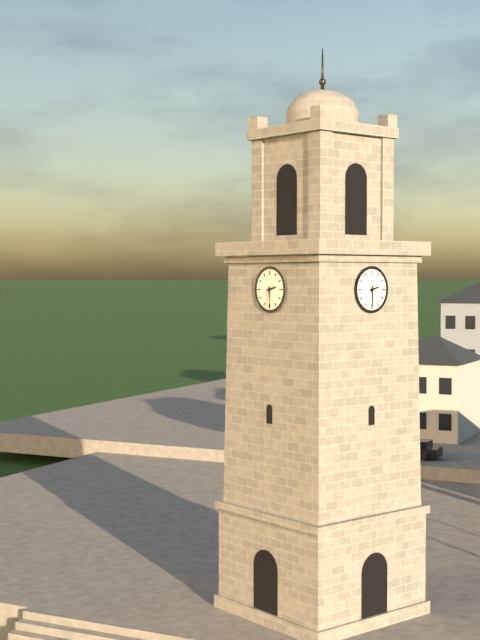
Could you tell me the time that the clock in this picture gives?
2:30
